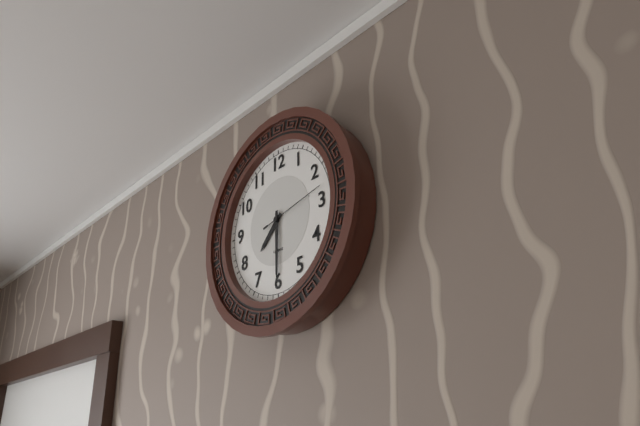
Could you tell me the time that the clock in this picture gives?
7:30:13
